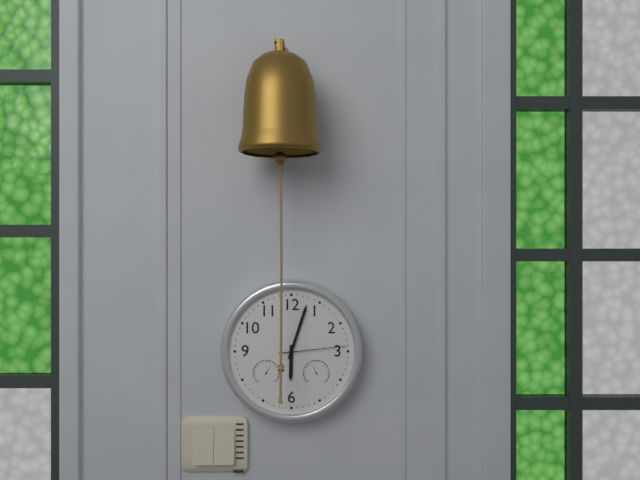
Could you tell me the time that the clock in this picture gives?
6:03:14
